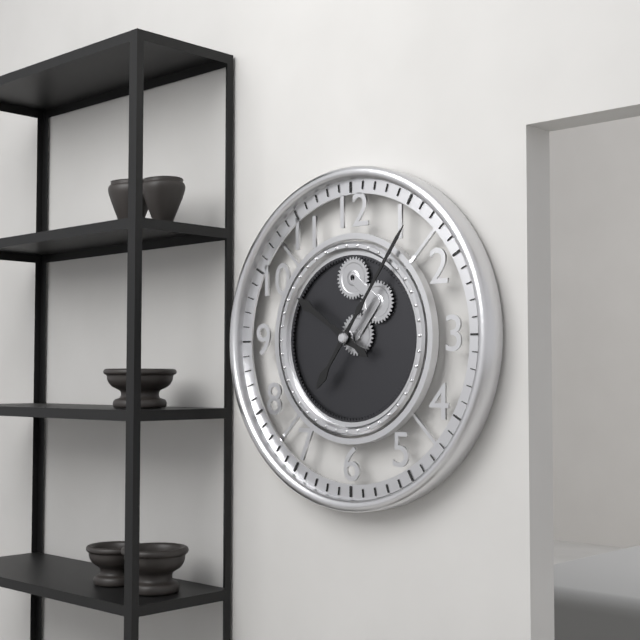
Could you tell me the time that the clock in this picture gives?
10:06
